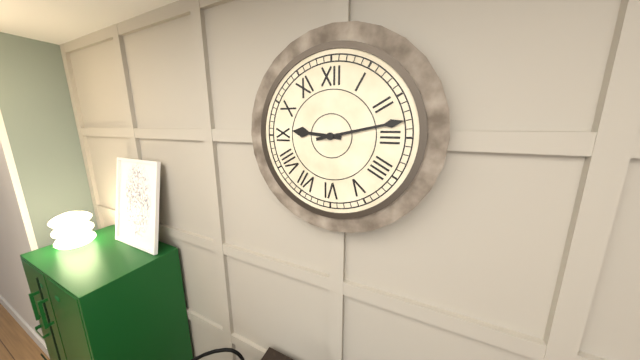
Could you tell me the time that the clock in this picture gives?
9:13
